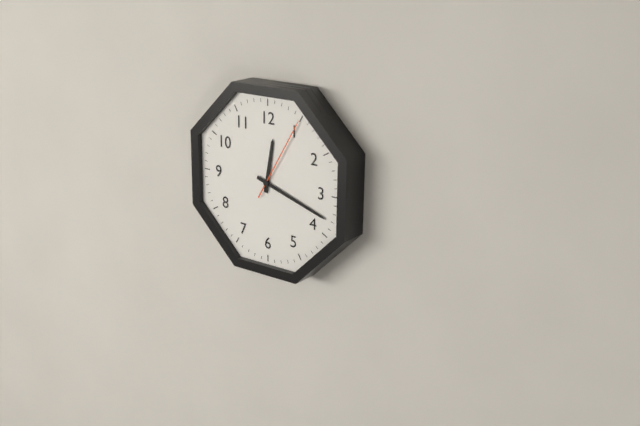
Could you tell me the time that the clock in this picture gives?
12:18:05
